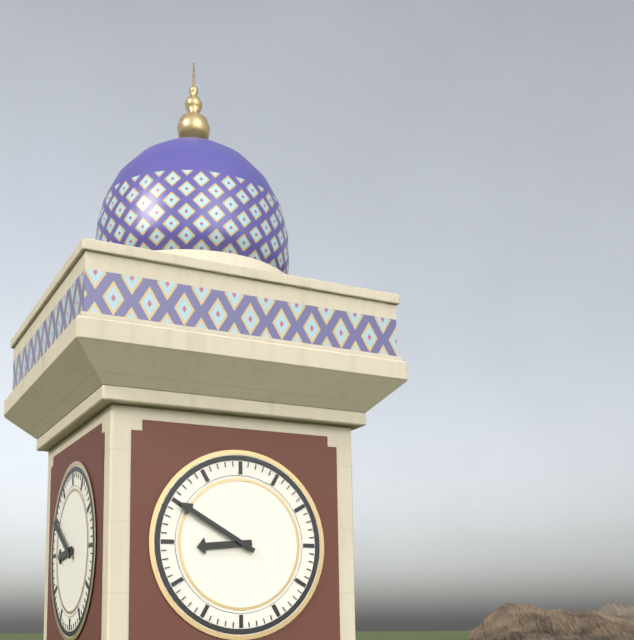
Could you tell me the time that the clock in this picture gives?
8:50
